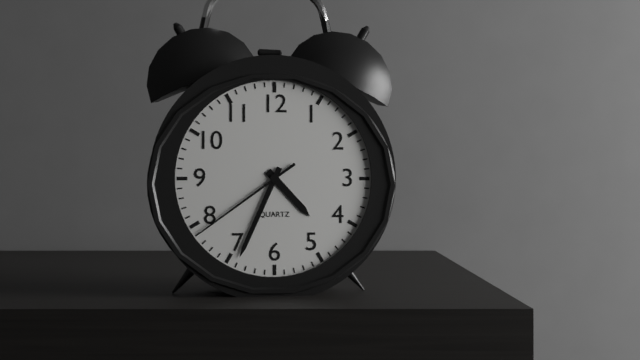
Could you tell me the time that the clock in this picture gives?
4:34:39
